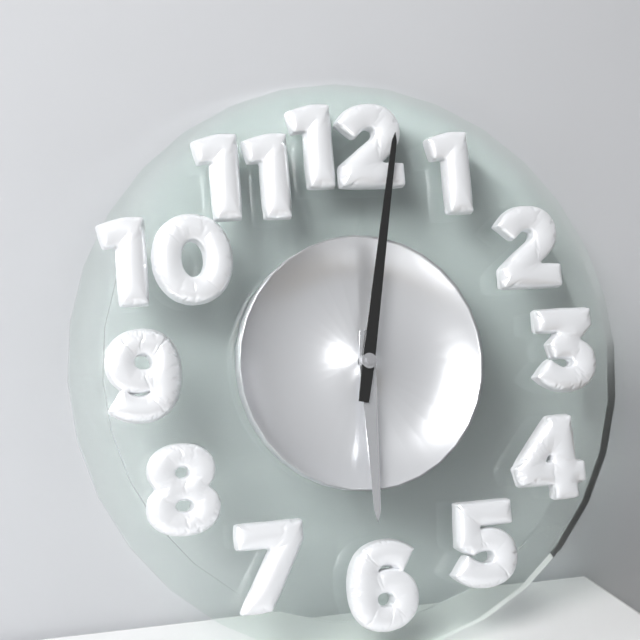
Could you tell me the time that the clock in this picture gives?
6:02
